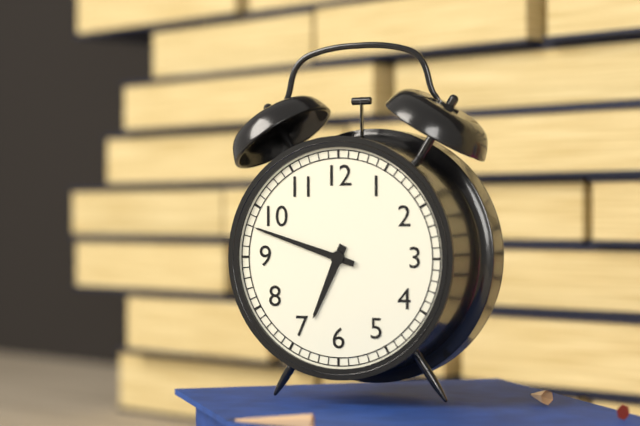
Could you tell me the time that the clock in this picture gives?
6:48
